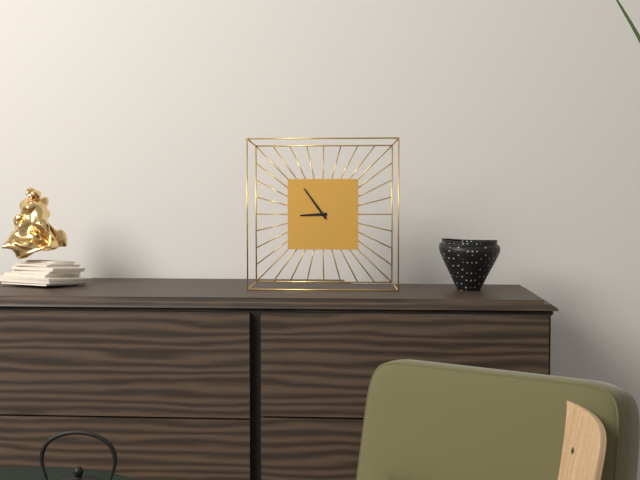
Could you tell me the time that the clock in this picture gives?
8:54
